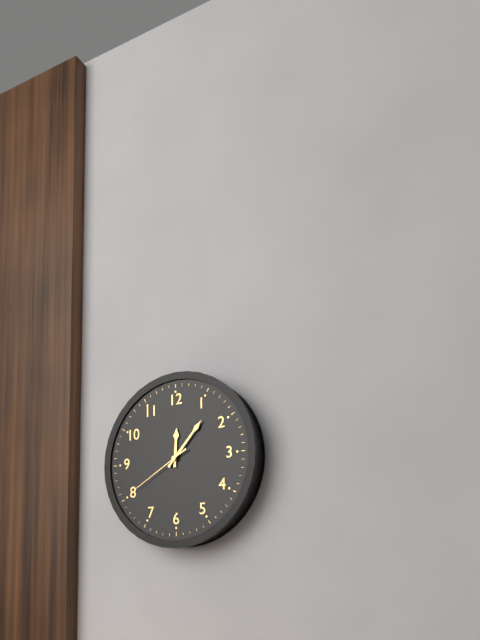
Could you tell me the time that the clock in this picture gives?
12:07:40
